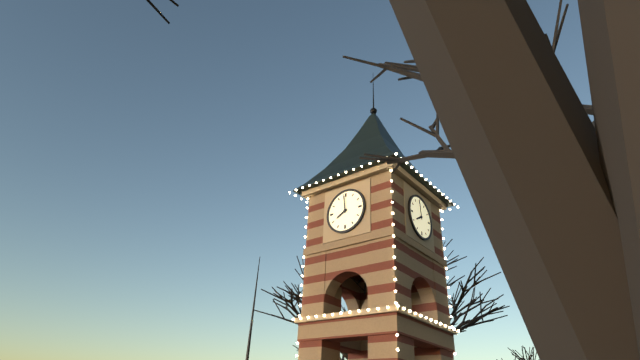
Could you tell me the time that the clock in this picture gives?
7:59
